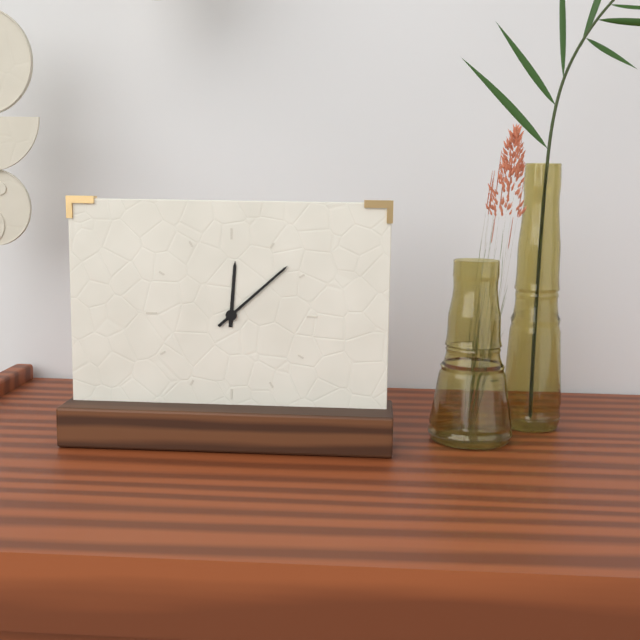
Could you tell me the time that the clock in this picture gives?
12:08
